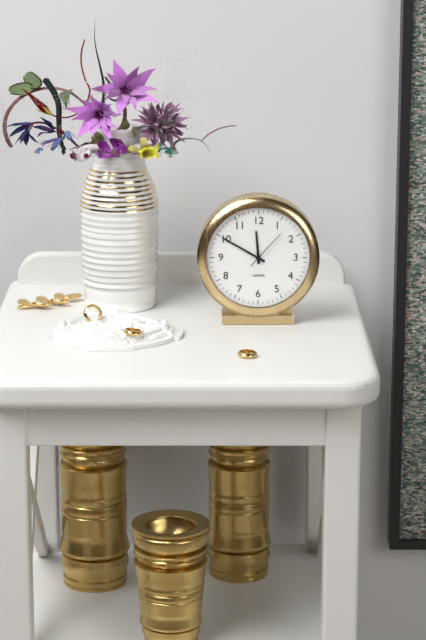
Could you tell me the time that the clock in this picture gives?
11:50
